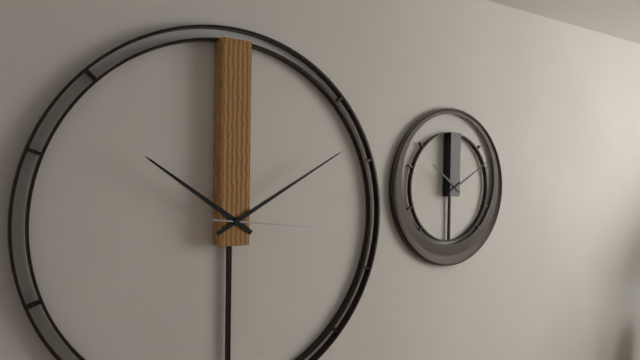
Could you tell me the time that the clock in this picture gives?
10:10:16
